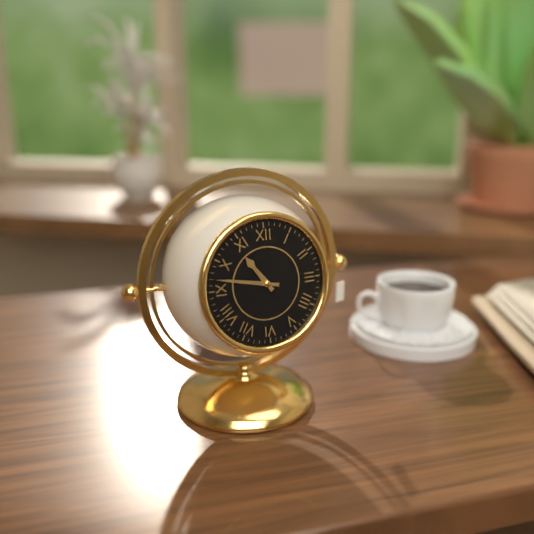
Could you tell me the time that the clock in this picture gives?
10:47
